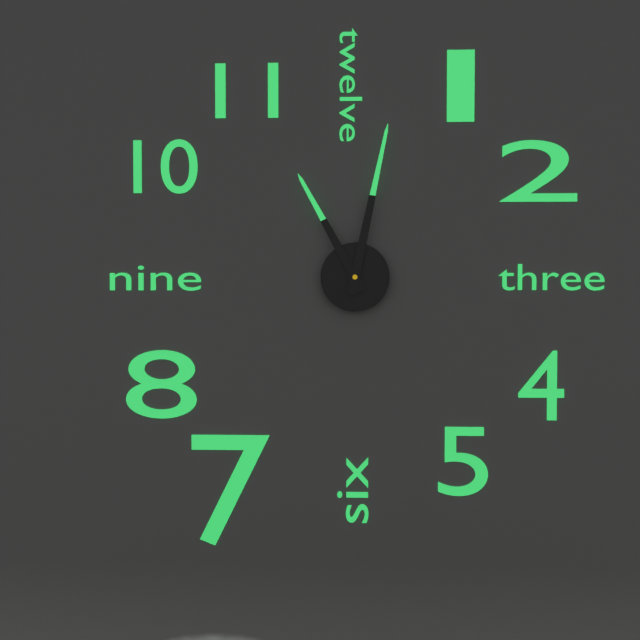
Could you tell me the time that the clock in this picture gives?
11:02
